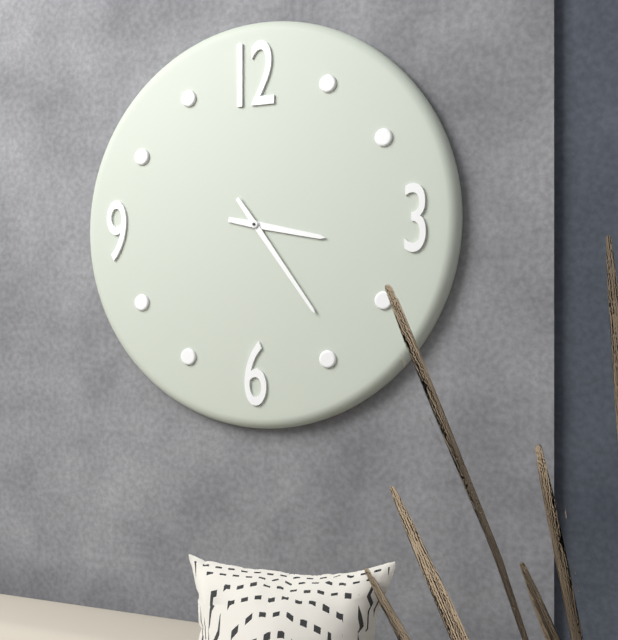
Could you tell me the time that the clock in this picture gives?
3:24
